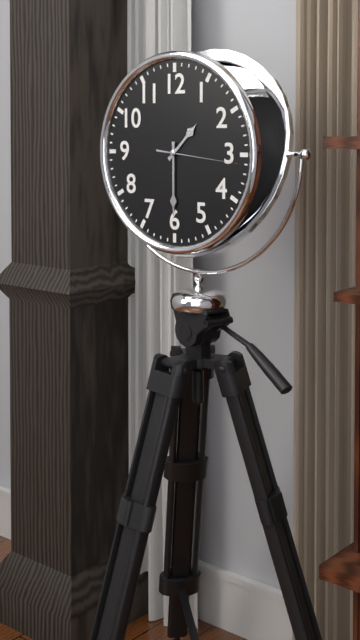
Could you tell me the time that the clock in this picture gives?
1:30:16
